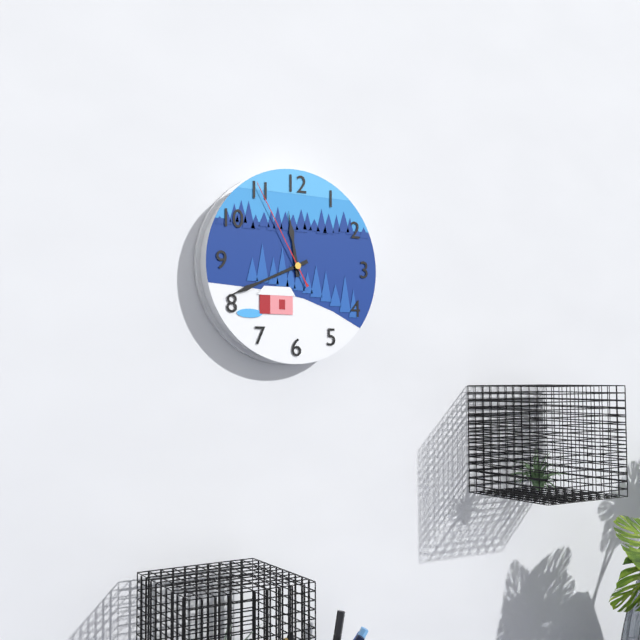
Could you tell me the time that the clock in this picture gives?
11:41:55
